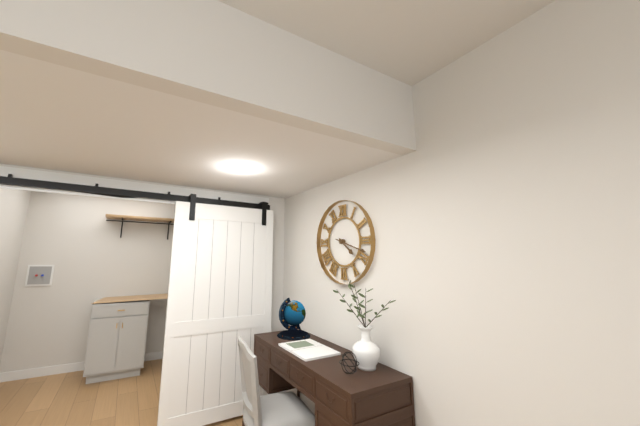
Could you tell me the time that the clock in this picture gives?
4:18
